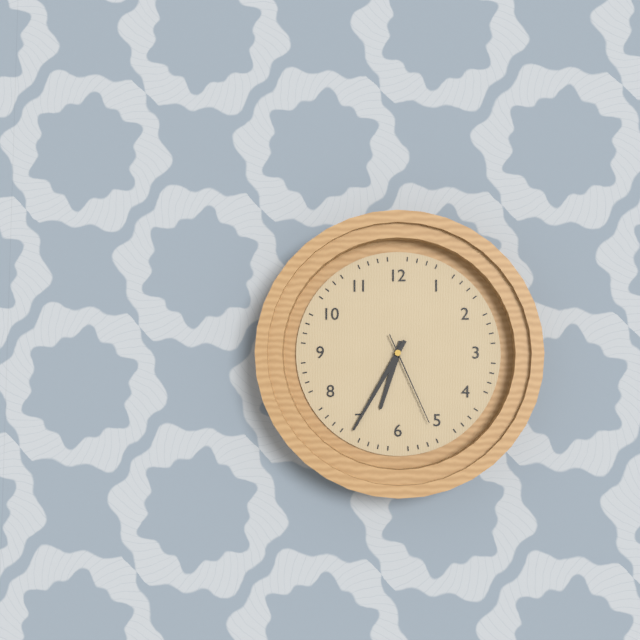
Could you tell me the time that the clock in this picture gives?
6:35:26
